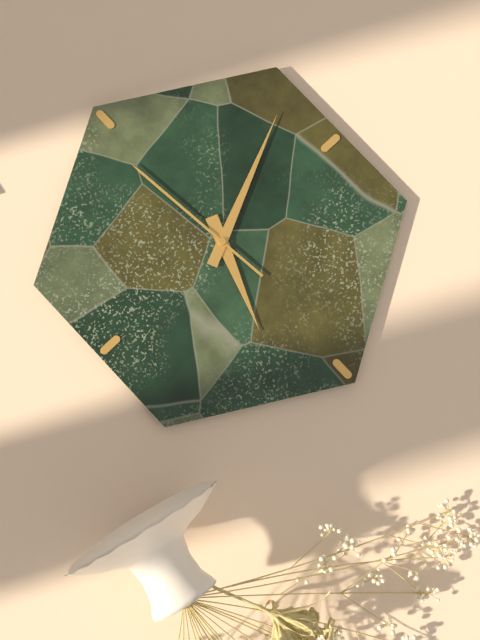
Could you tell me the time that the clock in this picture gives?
12:41:29
